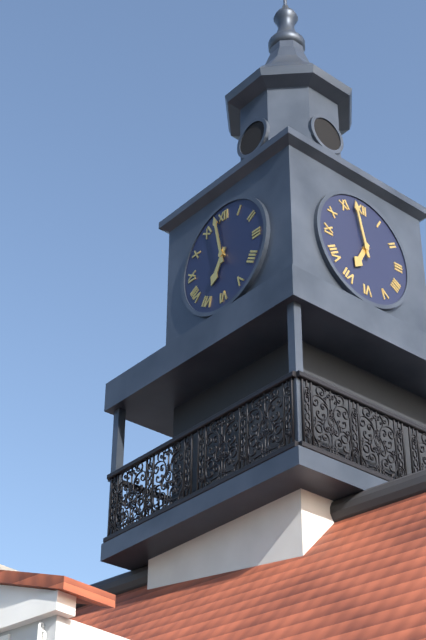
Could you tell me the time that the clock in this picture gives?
6:58
